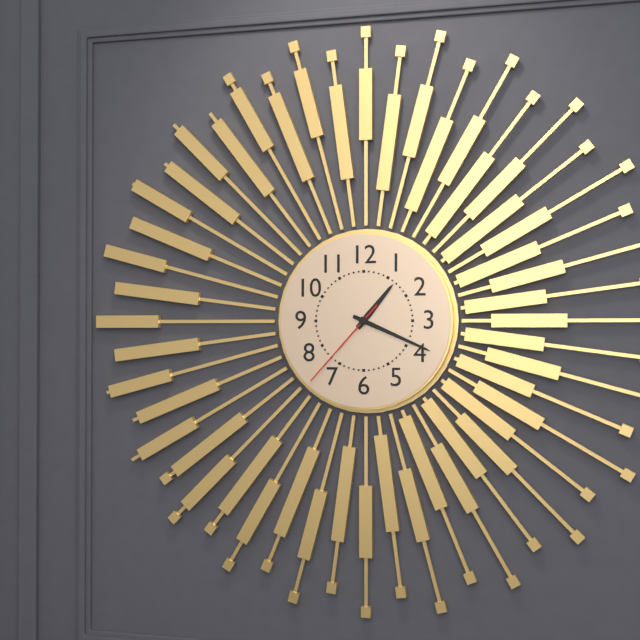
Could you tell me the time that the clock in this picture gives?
1:19:37
